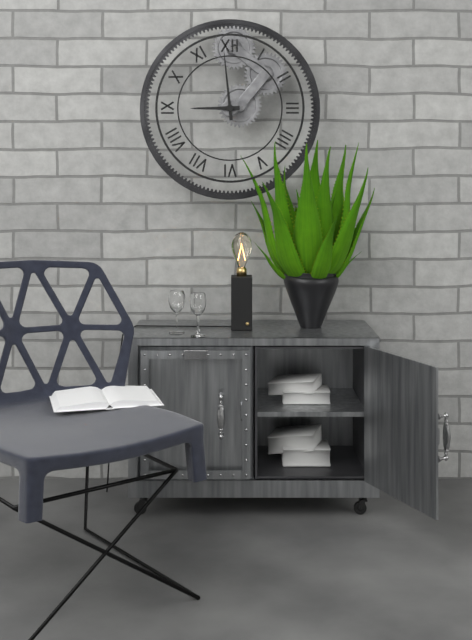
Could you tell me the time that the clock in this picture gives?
8:59
